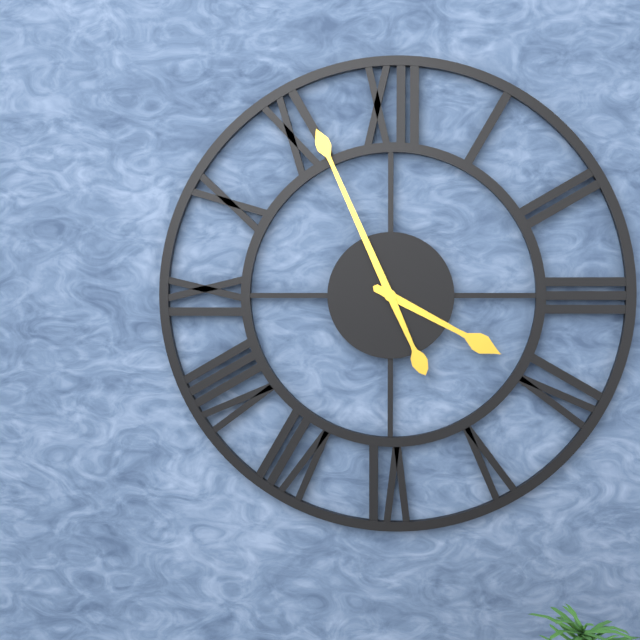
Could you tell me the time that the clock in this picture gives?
3:56
